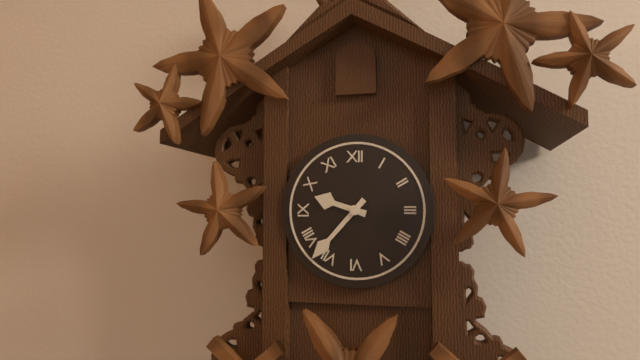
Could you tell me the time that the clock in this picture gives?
9:37
